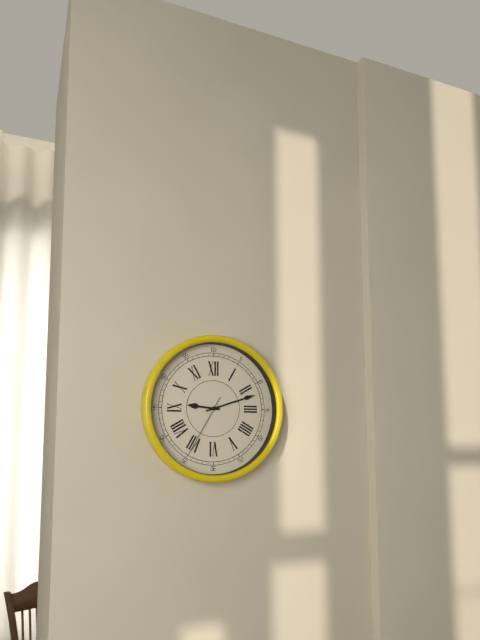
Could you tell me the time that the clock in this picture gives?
9:12:35
